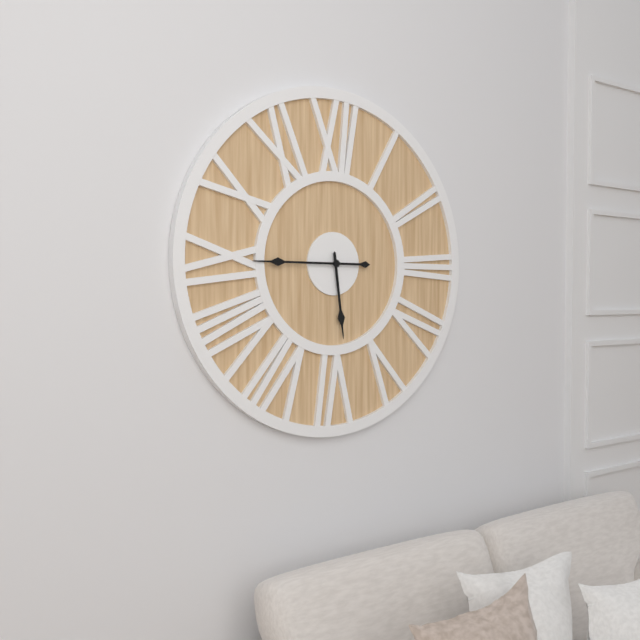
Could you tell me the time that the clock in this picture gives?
5:45
